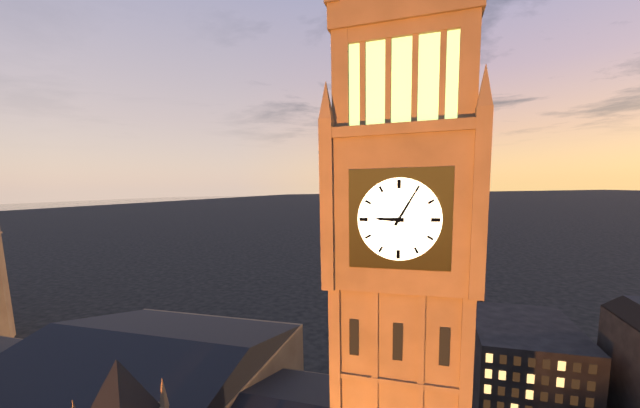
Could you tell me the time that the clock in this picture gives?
9:05
